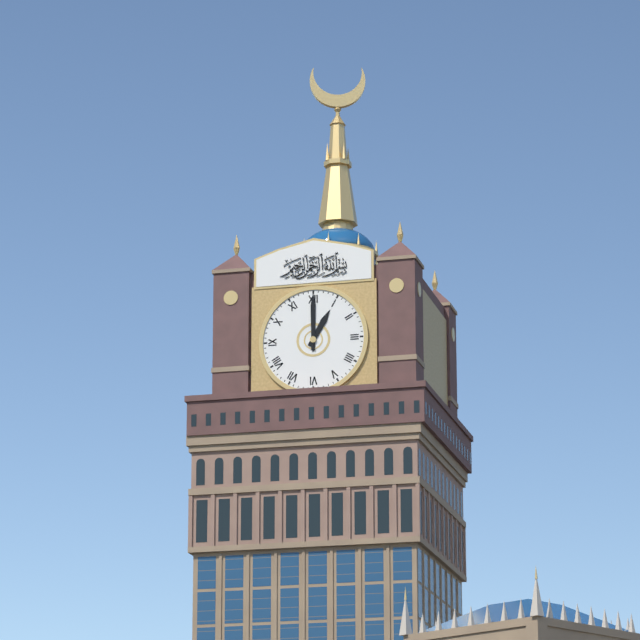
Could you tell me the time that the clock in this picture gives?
1:00
